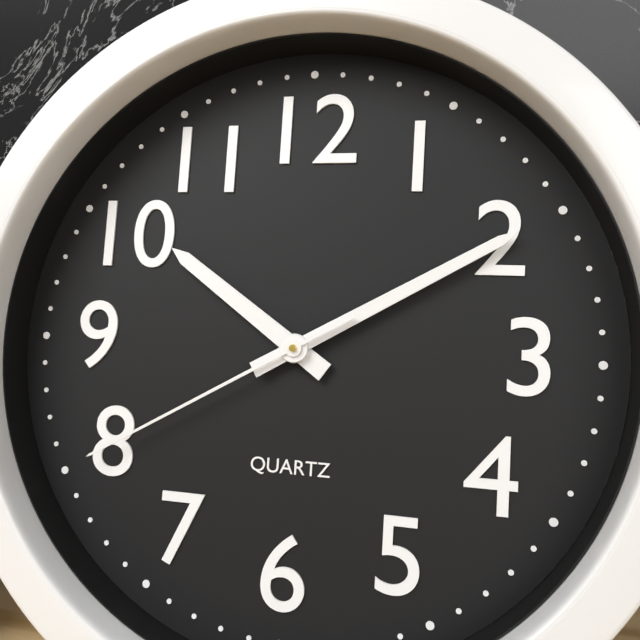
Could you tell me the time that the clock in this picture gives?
10:10:40
